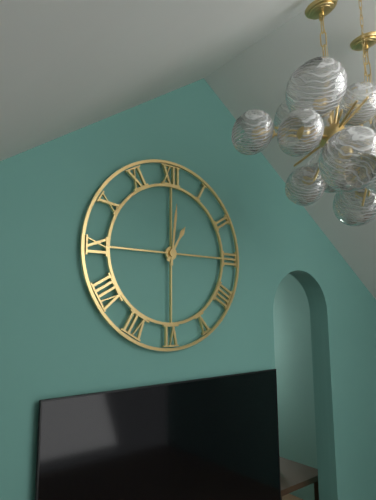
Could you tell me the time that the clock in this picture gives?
1:01
